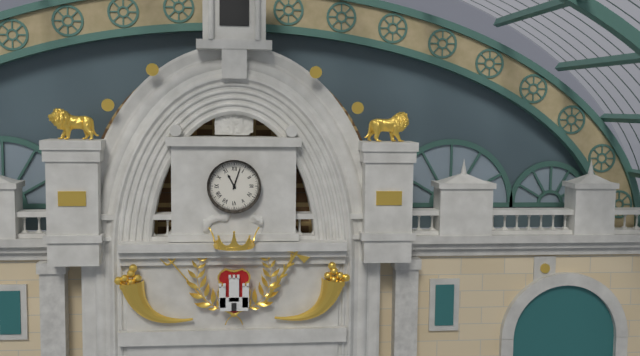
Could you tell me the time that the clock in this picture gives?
11:03
